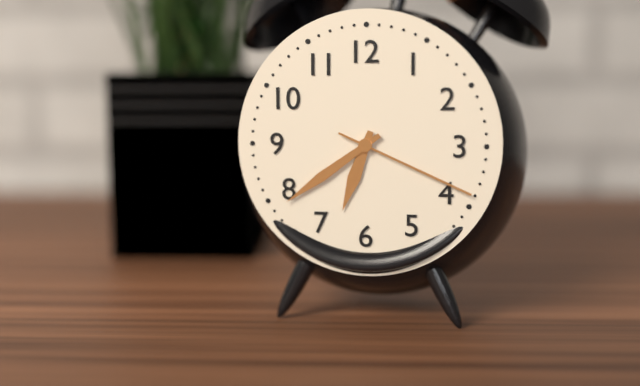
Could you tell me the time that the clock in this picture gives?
6:39:19
